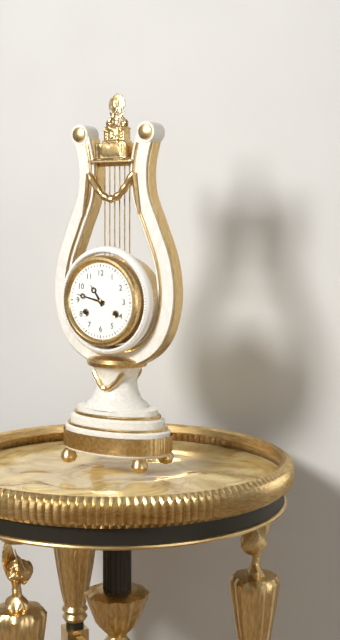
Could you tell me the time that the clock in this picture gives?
10:47
